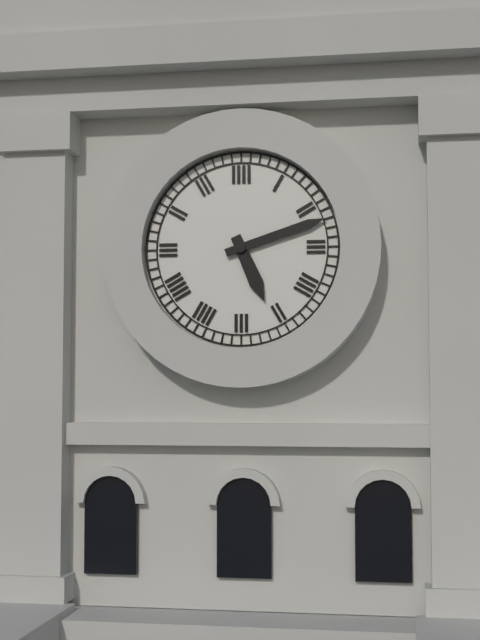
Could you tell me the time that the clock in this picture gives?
5:12
